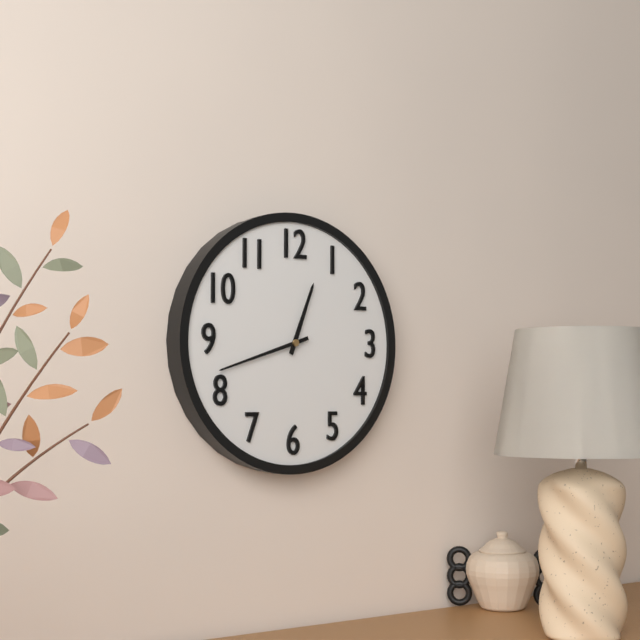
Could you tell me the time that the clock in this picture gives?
12:42
